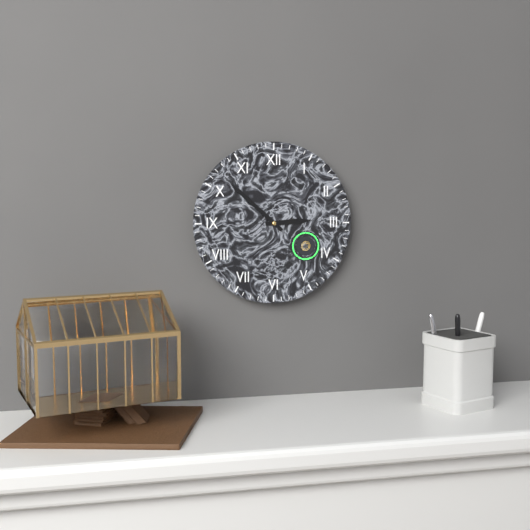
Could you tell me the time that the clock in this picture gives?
2:52
